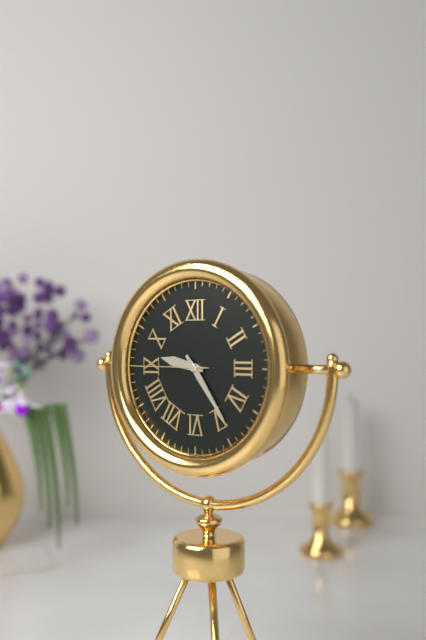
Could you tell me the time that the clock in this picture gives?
9:24:45
